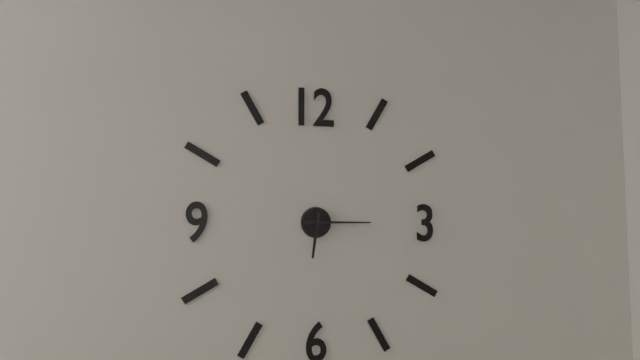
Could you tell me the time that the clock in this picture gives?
6:15
